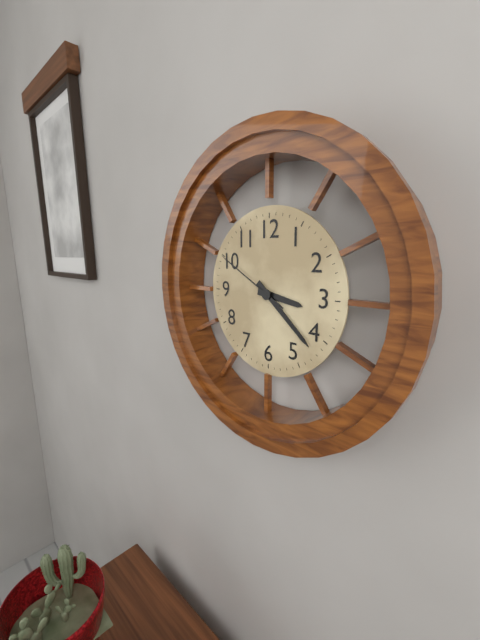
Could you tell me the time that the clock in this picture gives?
3:22:50
